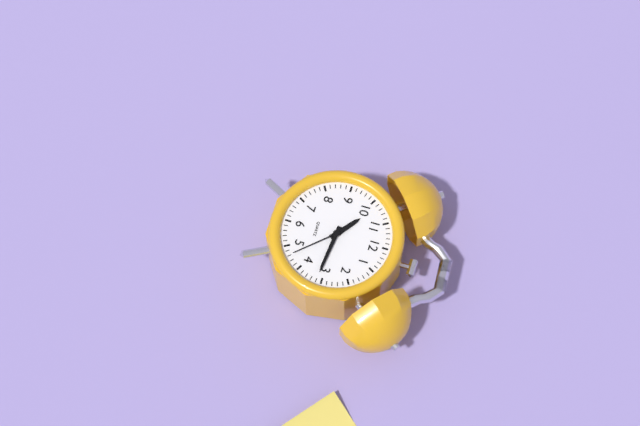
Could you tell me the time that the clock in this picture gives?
10:16:23
